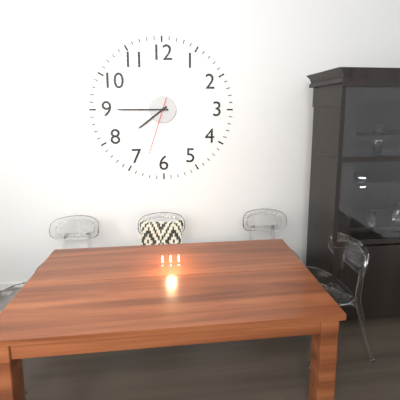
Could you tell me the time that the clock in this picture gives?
7:45:33
